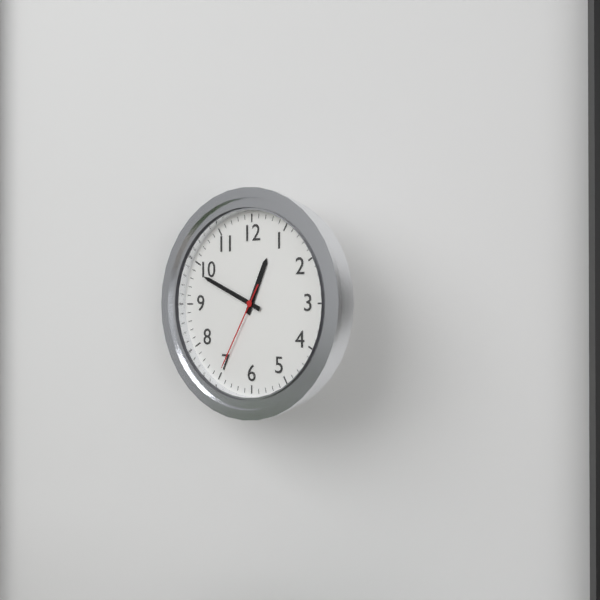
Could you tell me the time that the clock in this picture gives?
12:49:35
